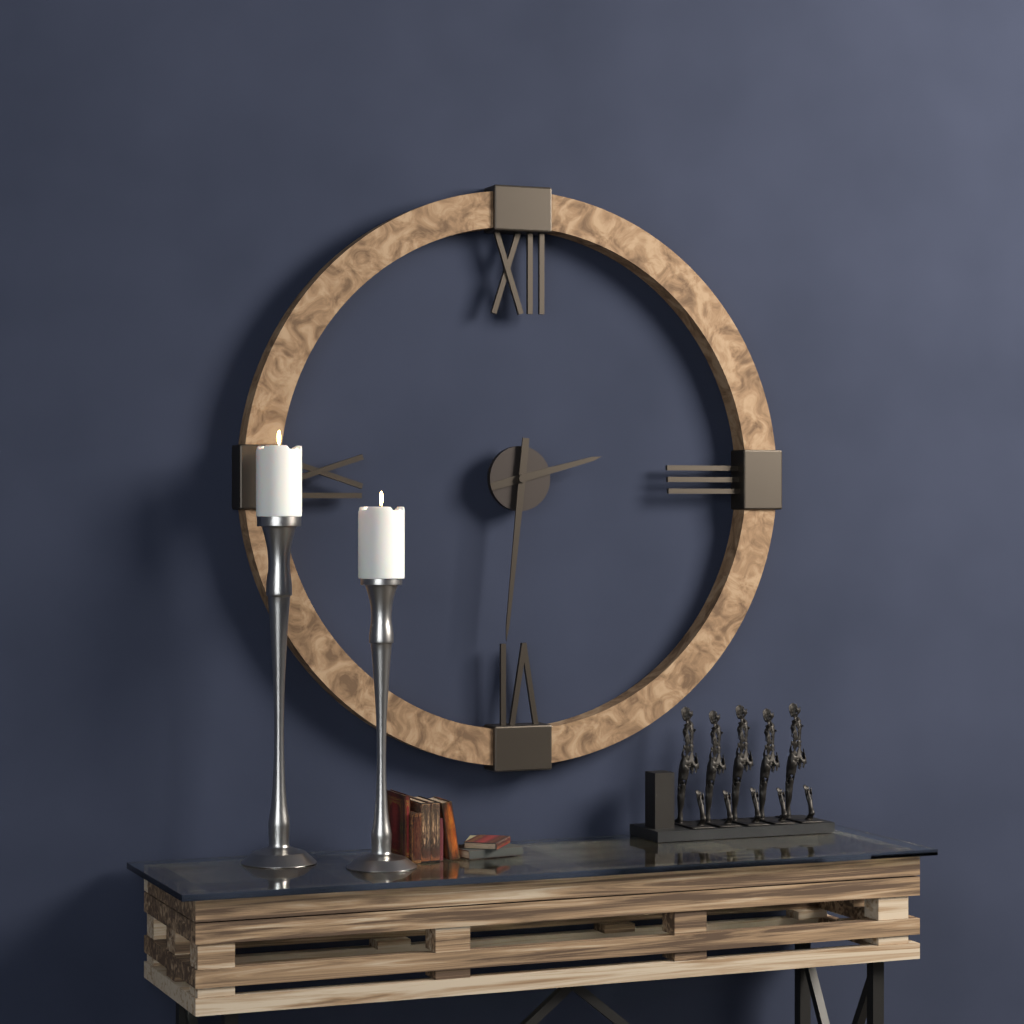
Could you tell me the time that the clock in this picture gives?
2:31
